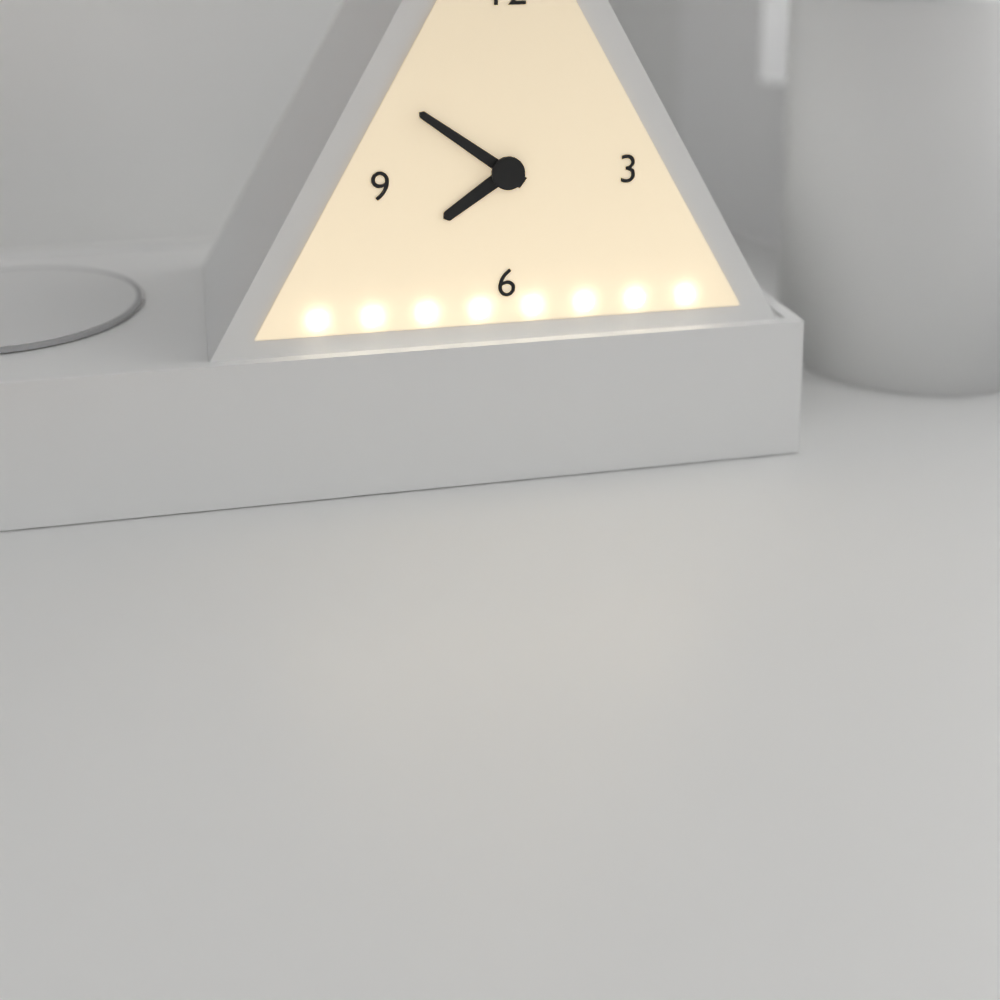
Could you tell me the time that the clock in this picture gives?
7:51
